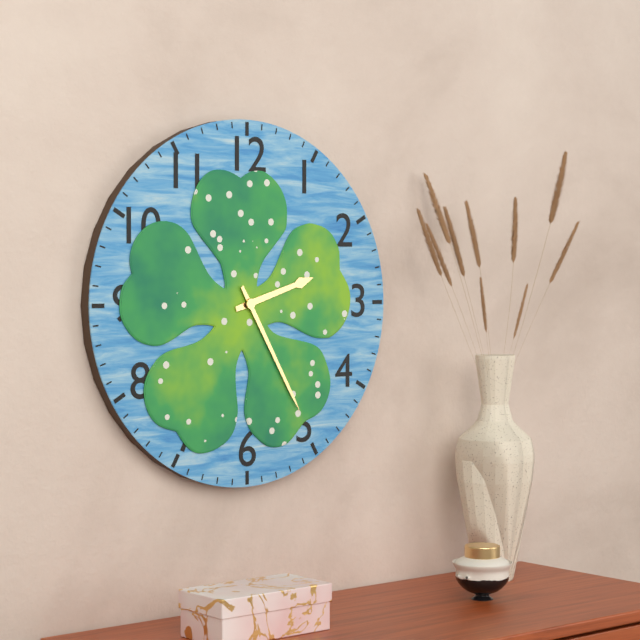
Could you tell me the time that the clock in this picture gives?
2:25
